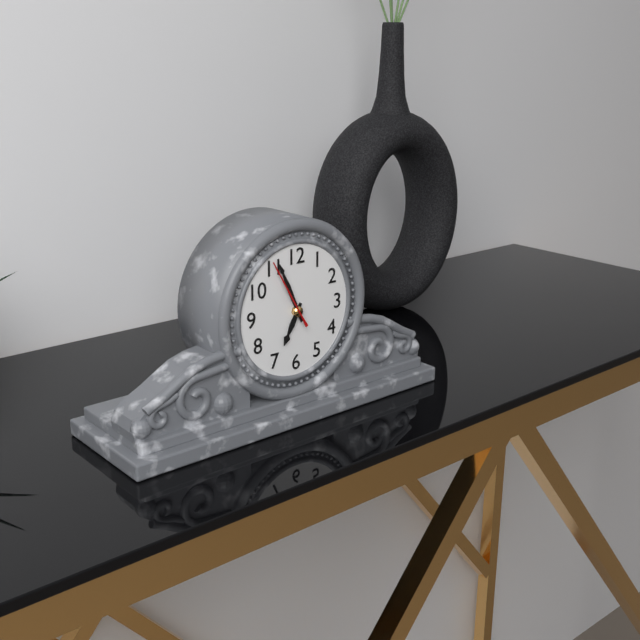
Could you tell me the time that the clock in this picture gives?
6:56:55
